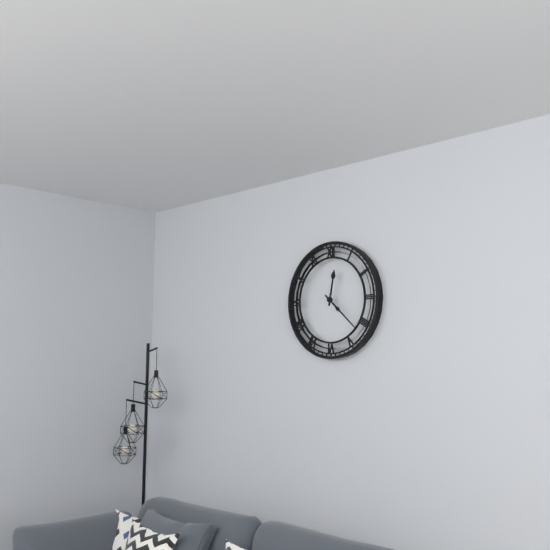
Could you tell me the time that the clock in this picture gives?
12:22
